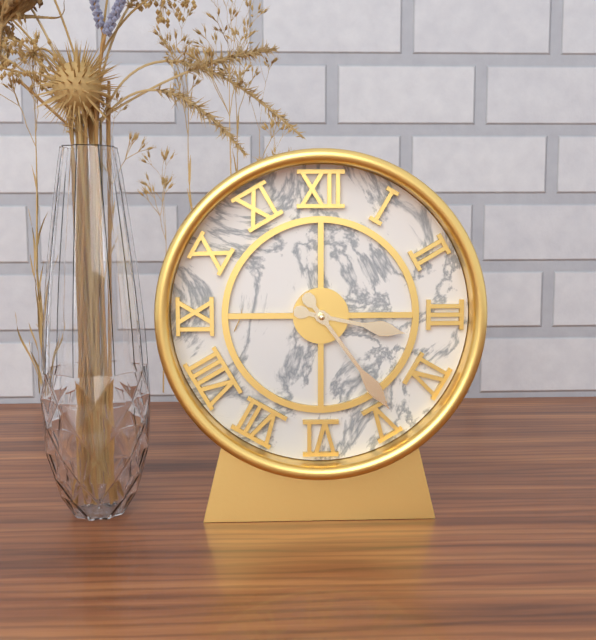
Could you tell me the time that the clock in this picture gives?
3:24
